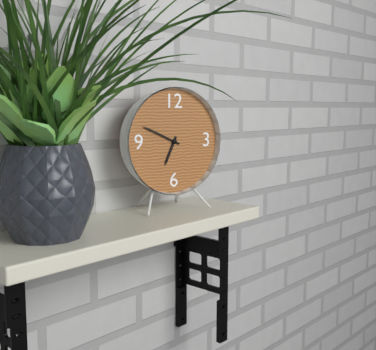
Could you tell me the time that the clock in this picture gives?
6:49
